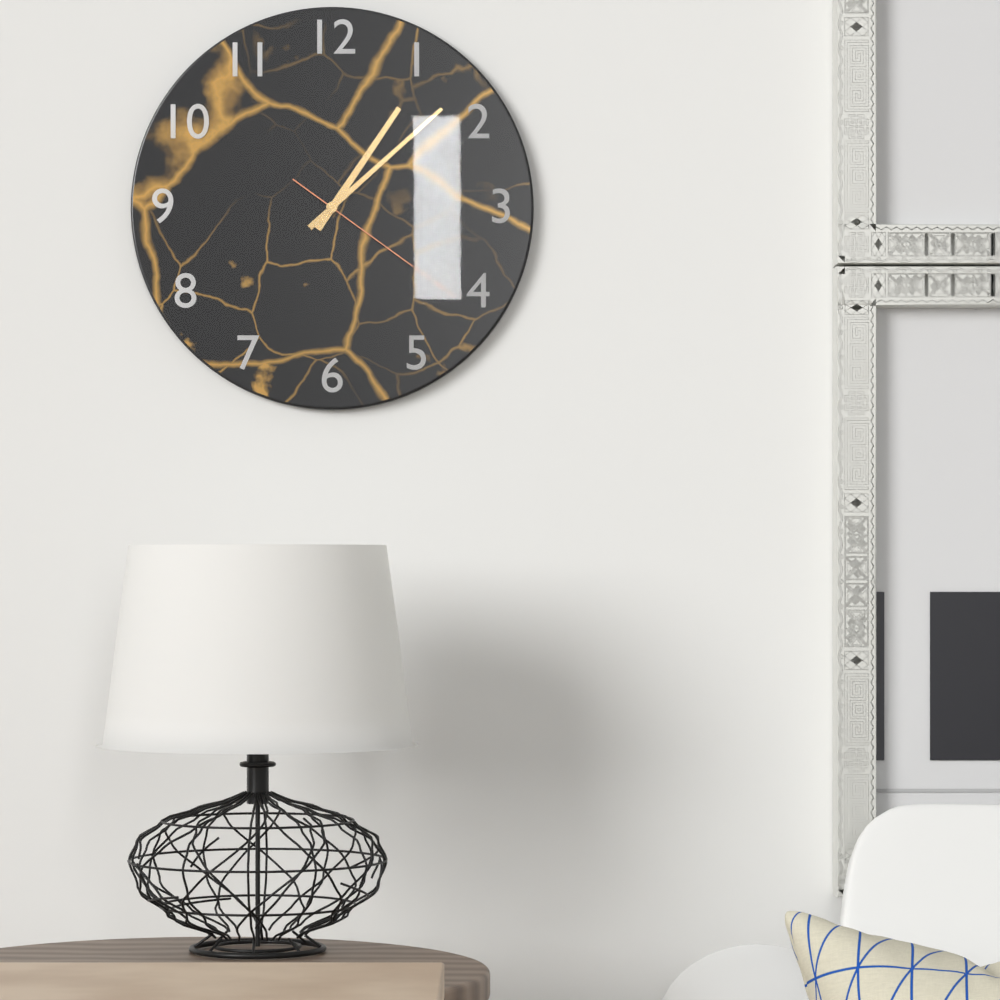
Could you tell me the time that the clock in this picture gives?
1:08:21
